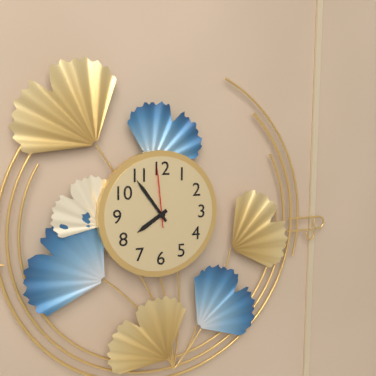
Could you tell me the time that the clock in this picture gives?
7:54:59
